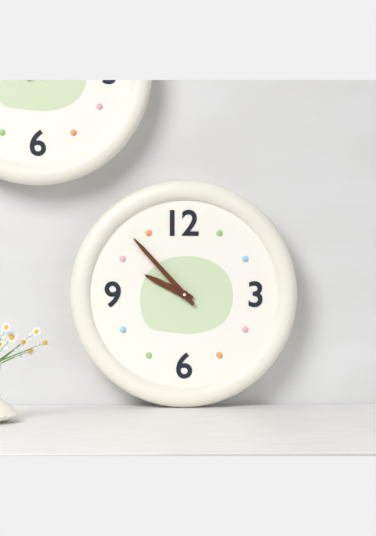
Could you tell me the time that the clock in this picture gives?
9:53
